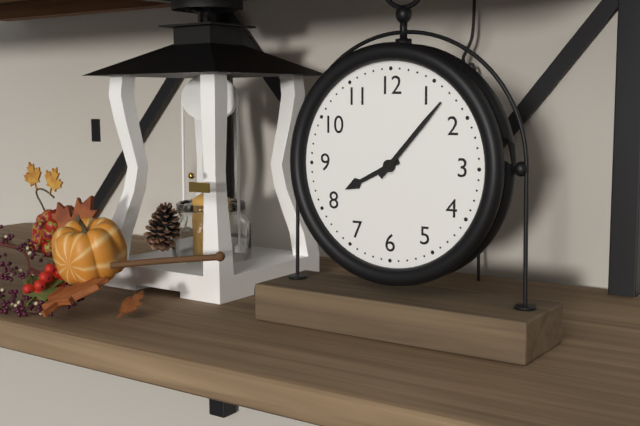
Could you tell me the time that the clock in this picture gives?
8:07
